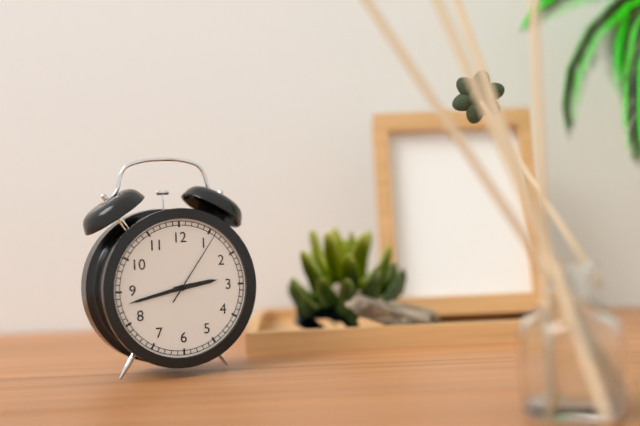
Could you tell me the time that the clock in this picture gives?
2:43:06
